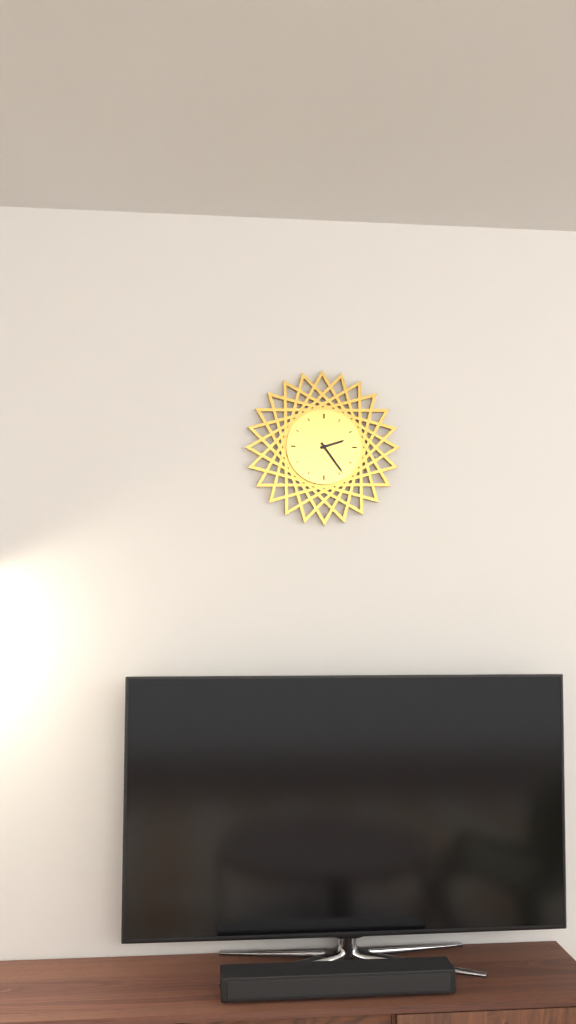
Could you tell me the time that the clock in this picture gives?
2:24
